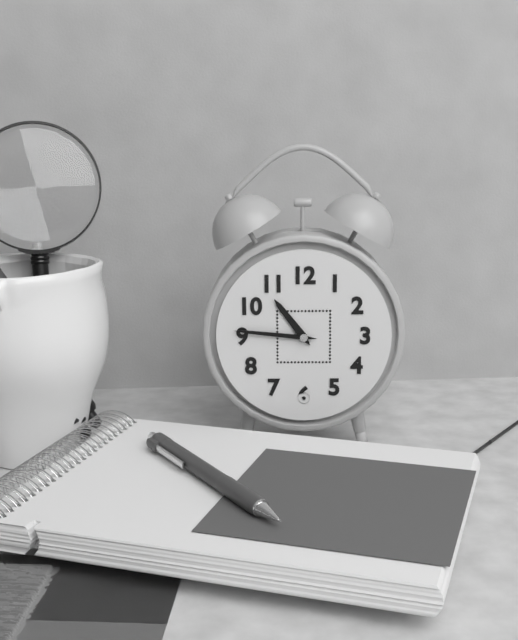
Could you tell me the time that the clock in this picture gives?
10:46
